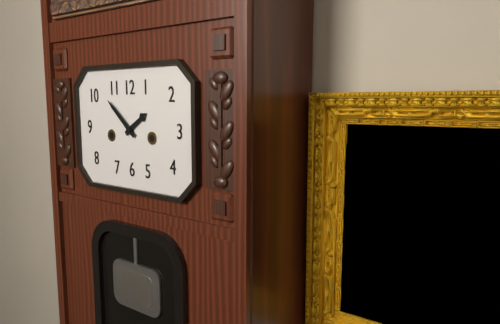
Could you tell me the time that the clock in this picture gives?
1:52
